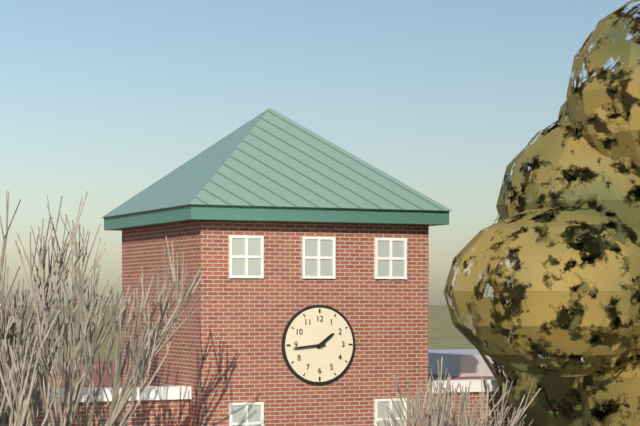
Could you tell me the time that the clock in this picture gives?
1:44
